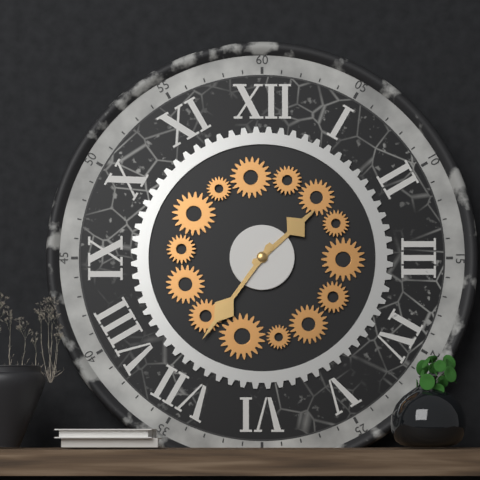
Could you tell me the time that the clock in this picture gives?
1:36
